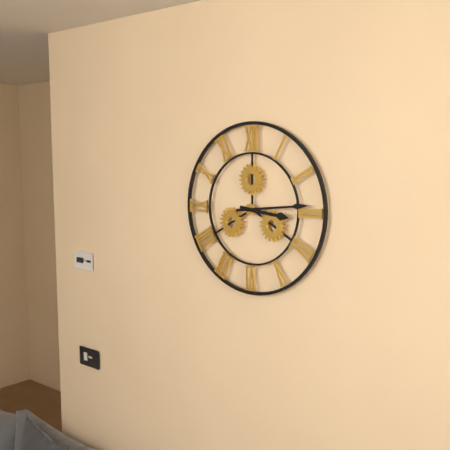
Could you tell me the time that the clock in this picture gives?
3:14
